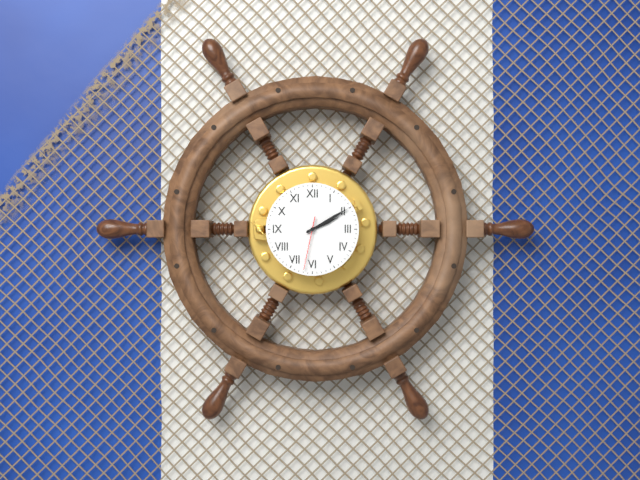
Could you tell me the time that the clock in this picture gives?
2:10:32
